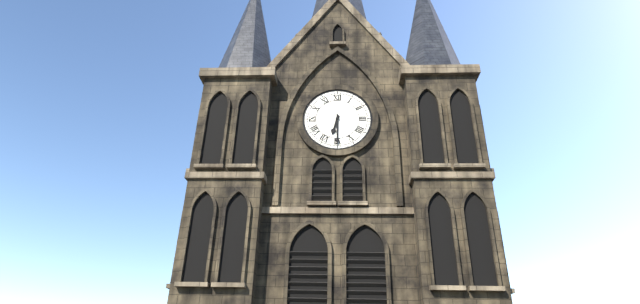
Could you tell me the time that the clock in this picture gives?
6:30
